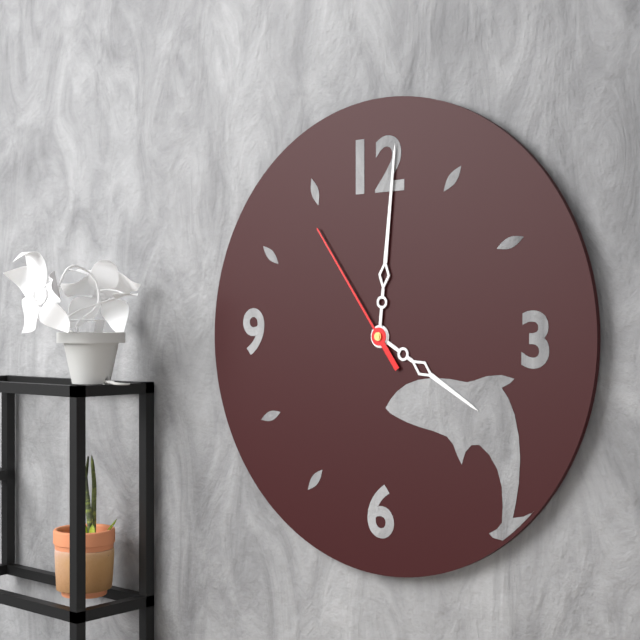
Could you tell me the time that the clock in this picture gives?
4:01:54
